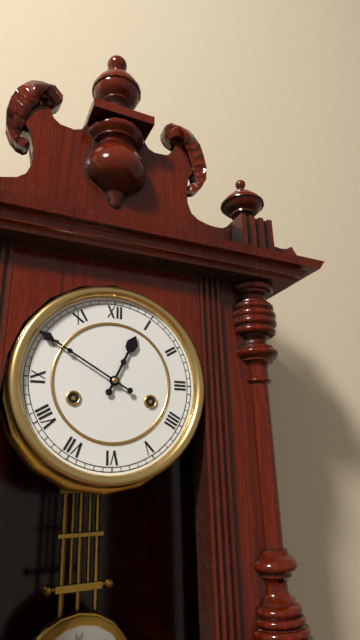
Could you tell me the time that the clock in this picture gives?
12:50
